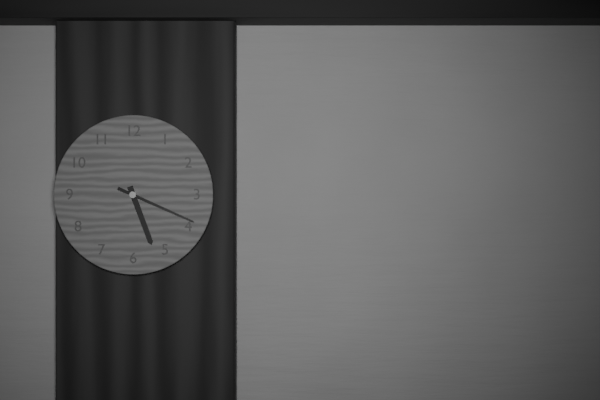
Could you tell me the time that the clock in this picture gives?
5:19
